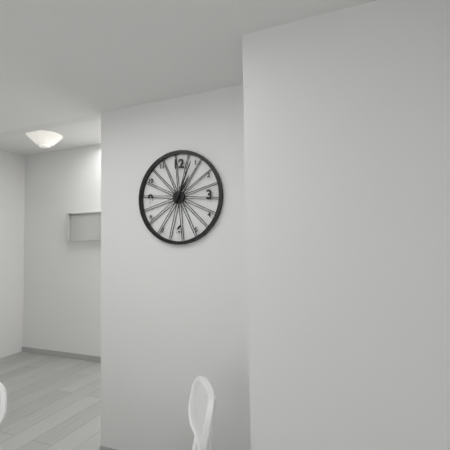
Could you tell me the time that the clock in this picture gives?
1:04
